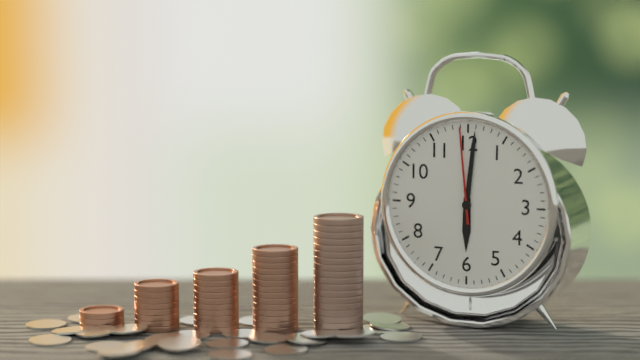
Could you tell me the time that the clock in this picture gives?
6:01:59
